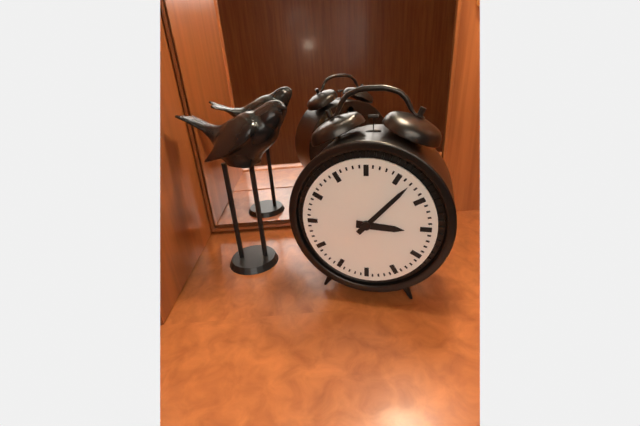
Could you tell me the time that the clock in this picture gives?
3:07
